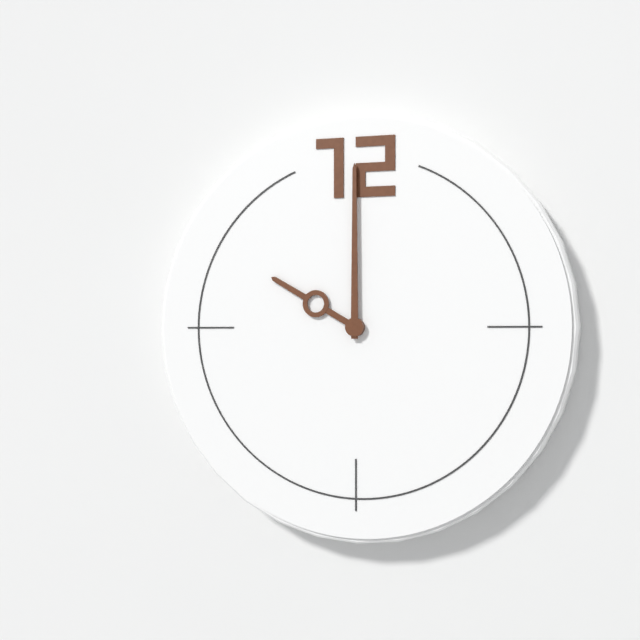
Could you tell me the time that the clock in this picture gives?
10:00
